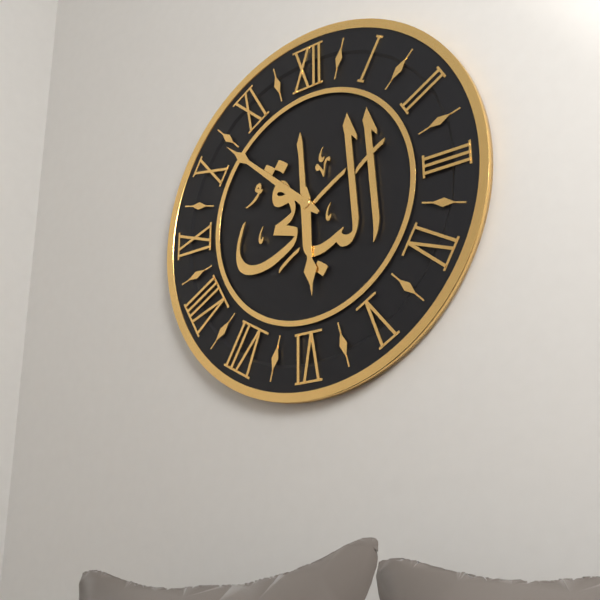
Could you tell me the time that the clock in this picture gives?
5:52
